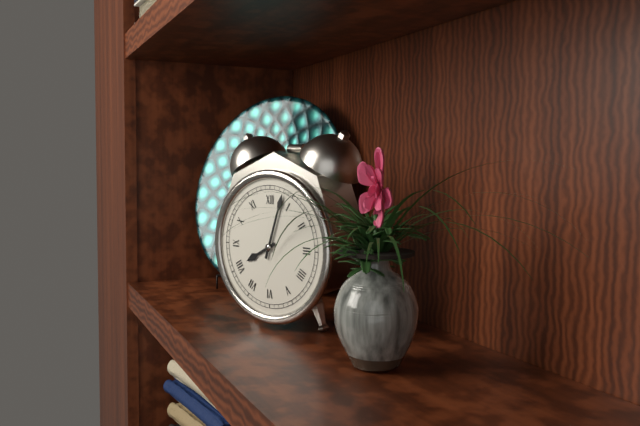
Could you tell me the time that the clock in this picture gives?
8:03
